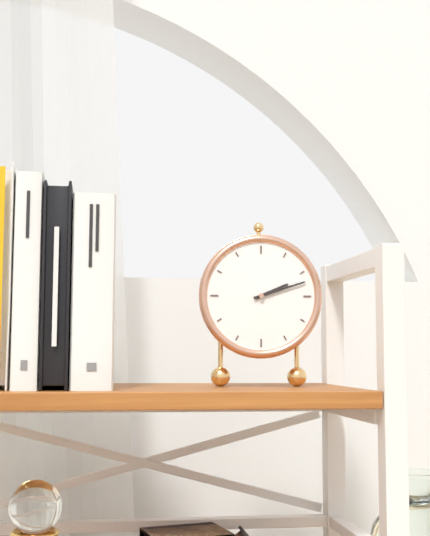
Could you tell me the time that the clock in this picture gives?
2:12
